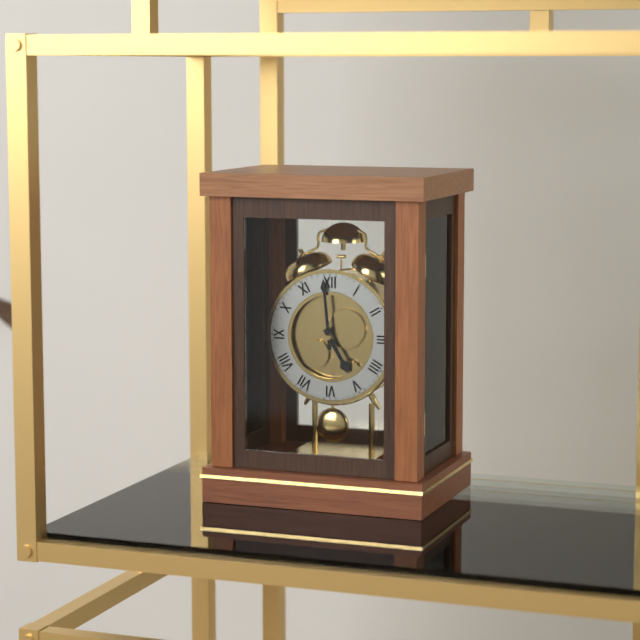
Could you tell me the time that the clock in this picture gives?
4:59
